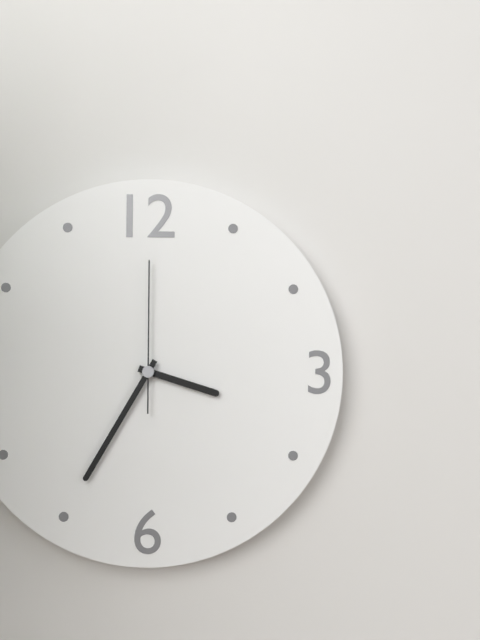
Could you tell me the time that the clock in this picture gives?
3:35:00
